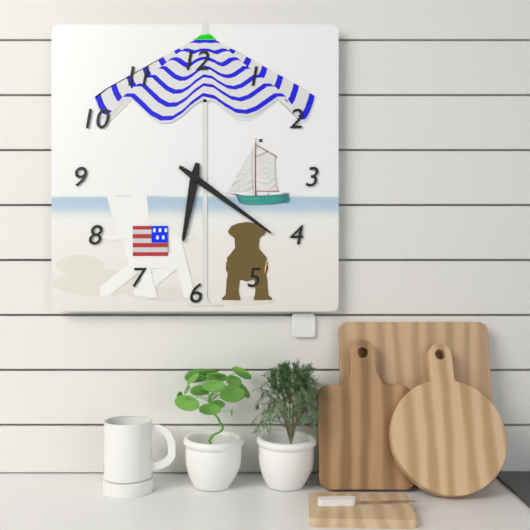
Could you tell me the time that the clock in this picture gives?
6:21
